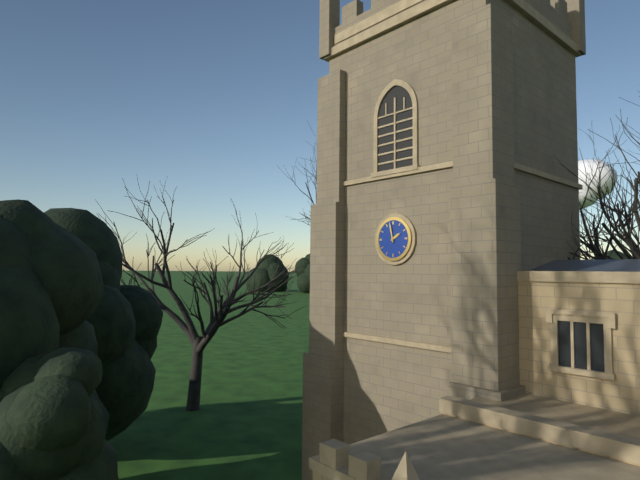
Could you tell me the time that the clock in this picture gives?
1:58
